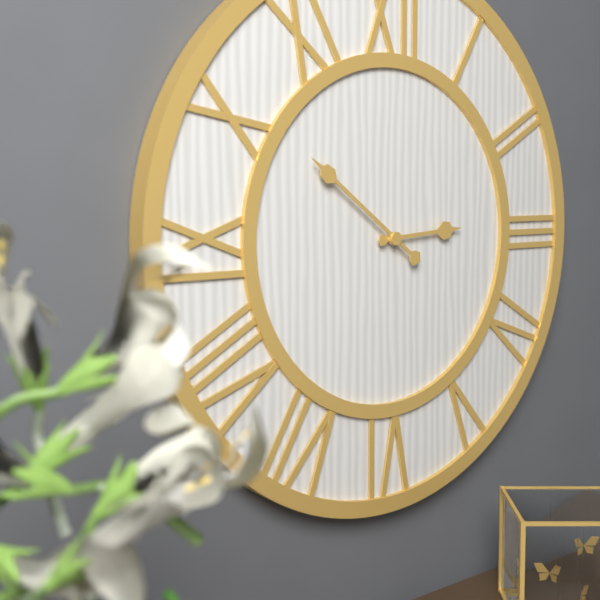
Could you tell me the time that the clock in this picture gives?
2:51
